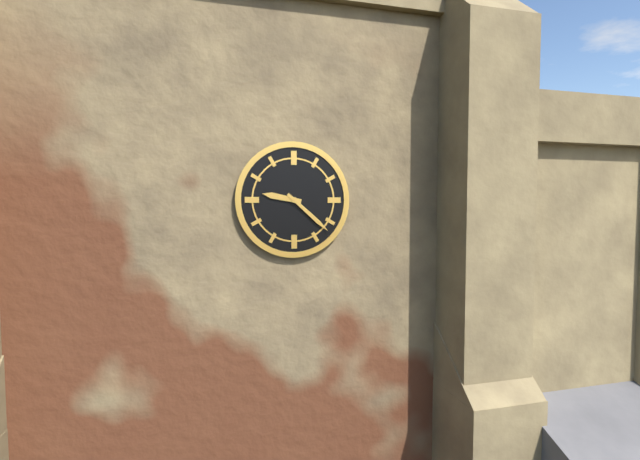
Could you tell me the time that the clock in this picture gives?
9:22
